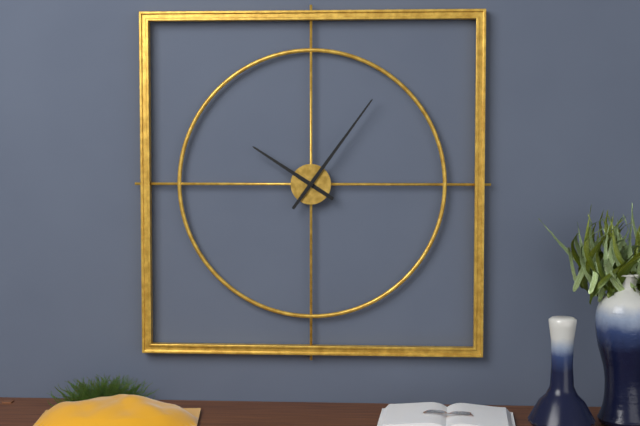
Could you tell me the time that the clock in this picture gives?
10:06
